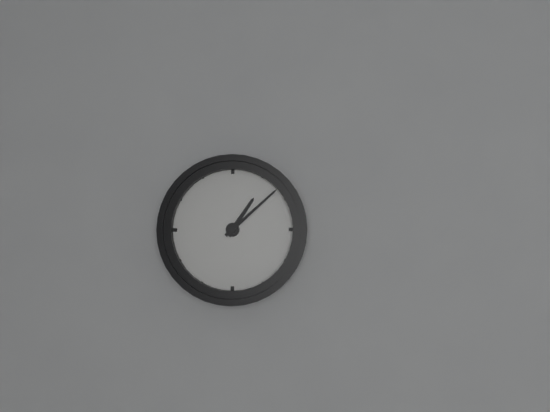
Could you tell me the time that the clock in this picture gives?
1:08
